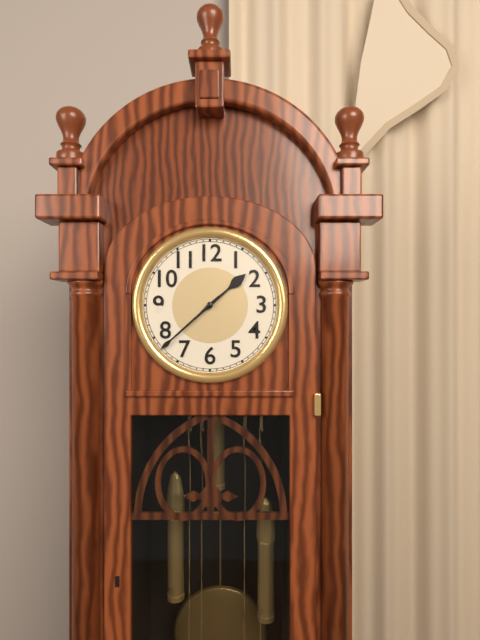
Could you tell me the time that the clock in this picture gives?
1:38
